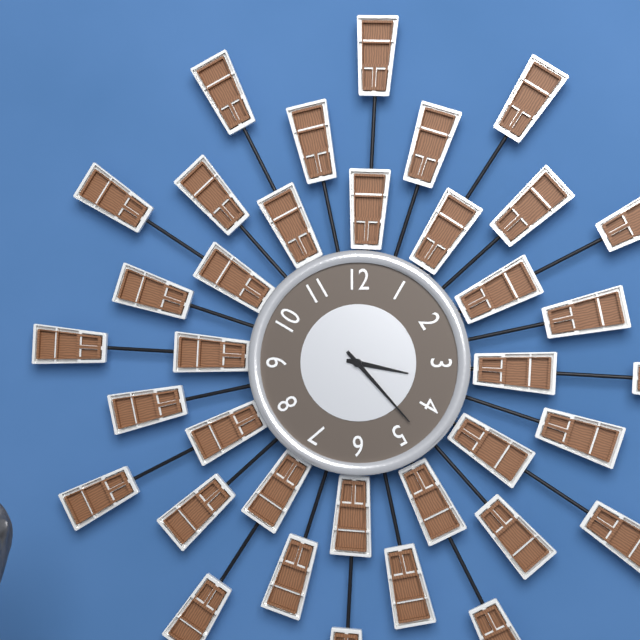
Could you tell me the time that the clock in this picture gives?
3:23
